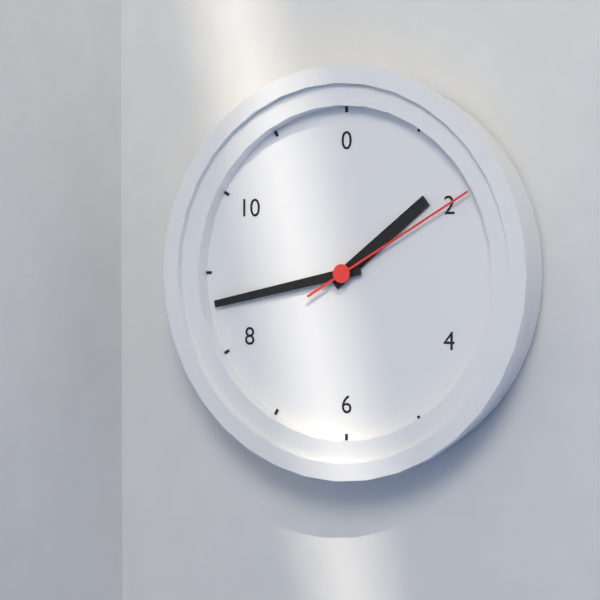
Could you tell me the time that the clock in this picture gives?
1:43:10
